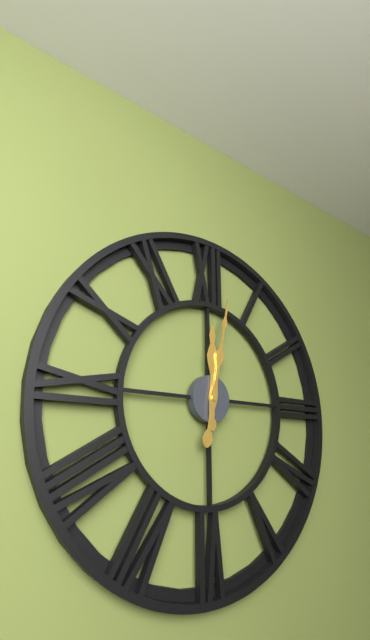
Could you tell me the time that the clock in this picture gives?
12:02
